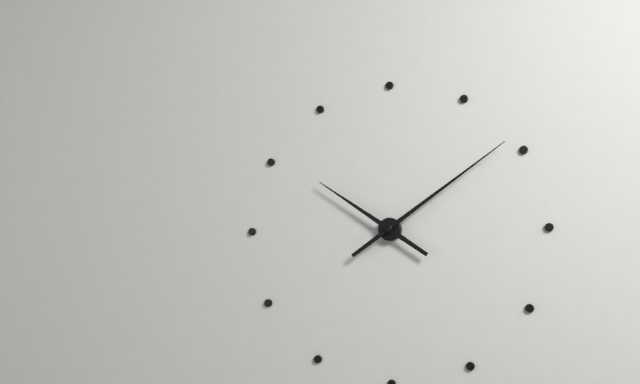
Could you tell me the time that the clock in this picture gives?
10:09
